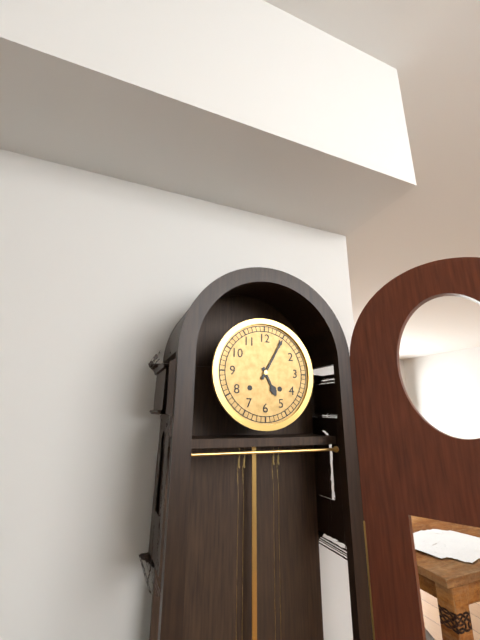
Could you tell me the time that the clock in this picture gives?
5:05
